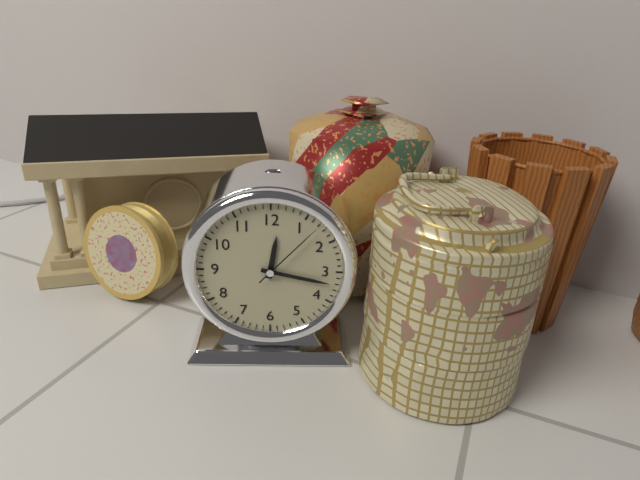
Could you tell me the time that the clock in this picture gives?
12:17:07
